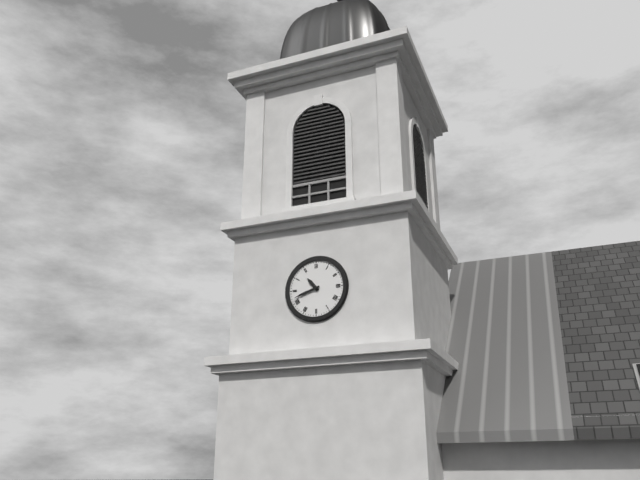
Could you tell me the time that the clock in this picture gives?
10:42
